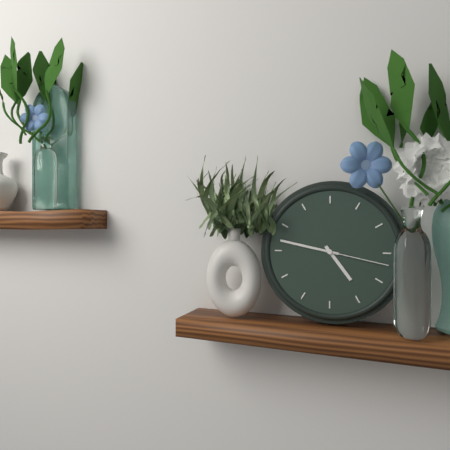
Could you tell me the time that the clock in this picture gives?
4:47:17
